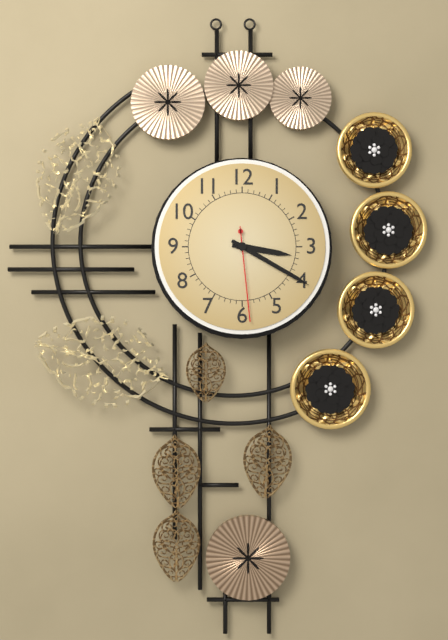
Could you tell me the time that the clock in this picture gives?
3:20:29
